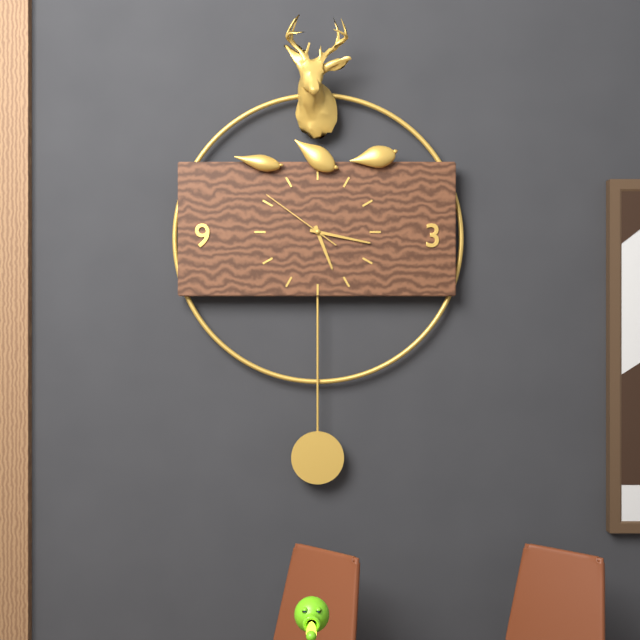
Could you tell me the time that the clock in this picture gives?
5:17:51
